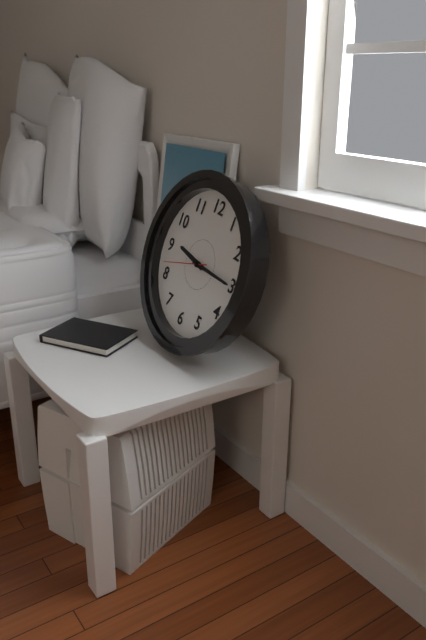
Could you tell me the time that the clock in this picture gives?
9:15
